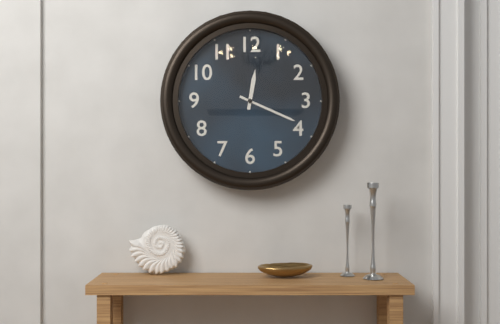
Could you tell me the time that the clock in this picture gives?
12:19
